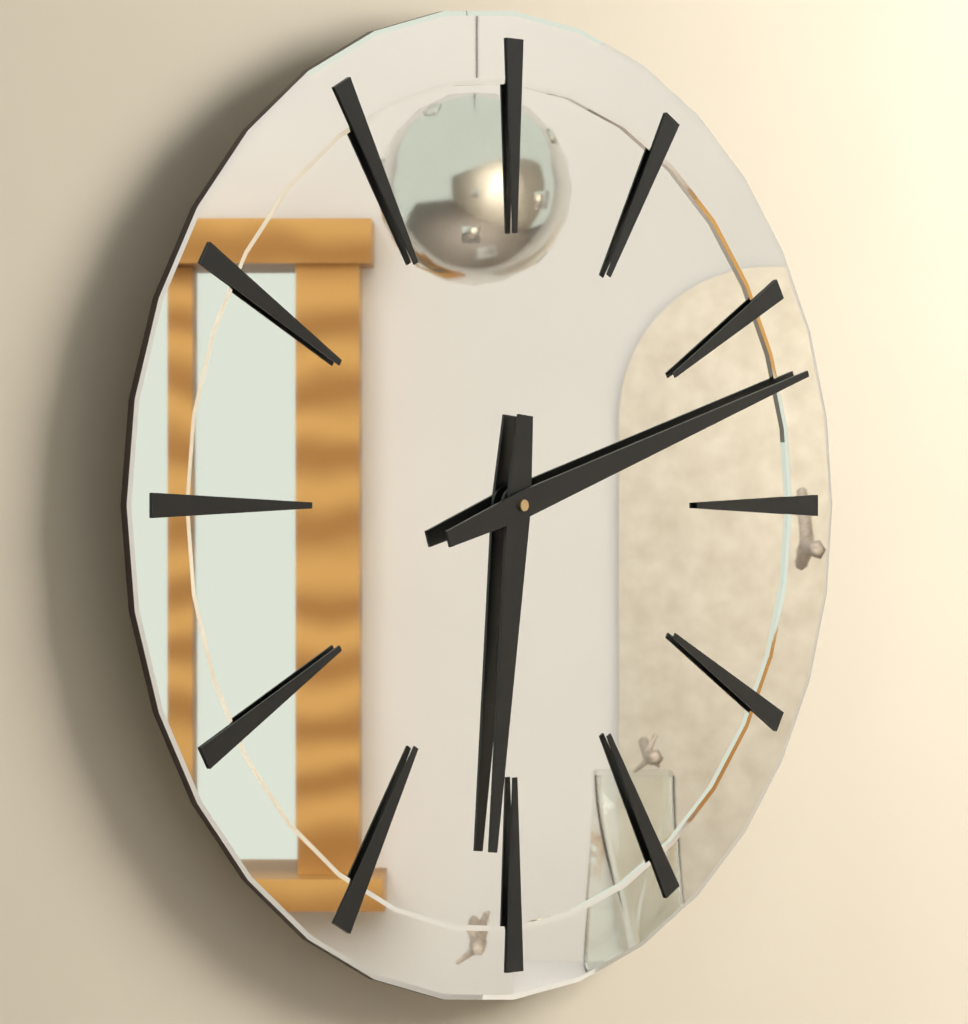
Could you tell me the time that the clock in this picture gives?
6:12
